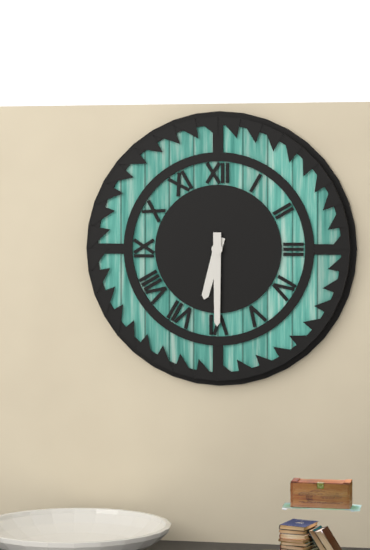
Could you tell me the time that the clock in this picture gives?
6:30
